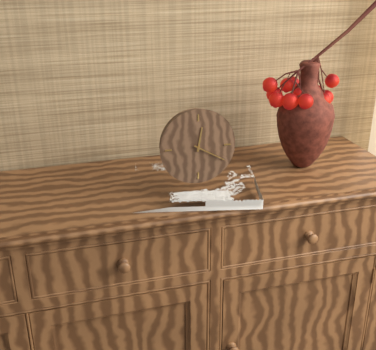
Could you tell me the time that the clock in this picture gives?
12:20
